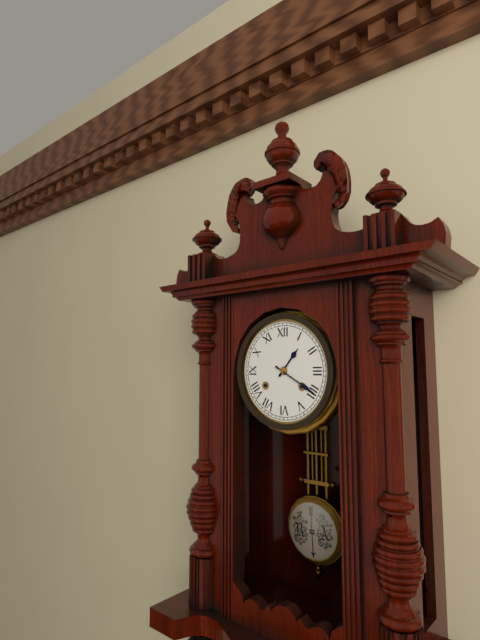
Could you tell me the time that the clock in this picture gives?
1:20
